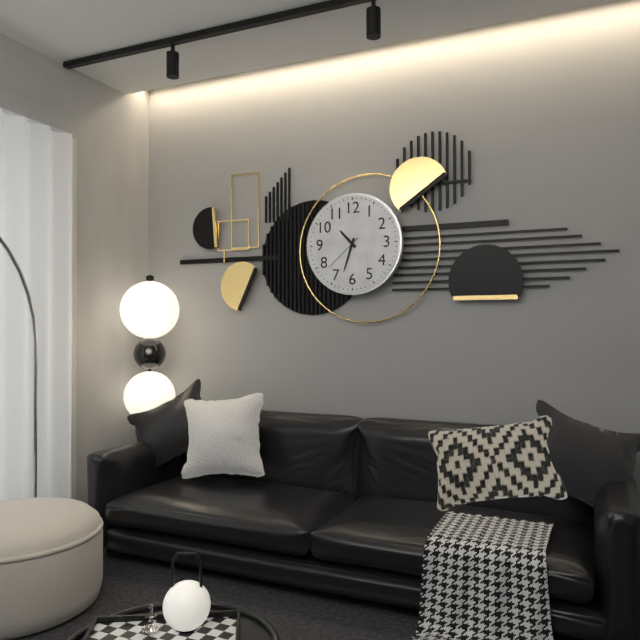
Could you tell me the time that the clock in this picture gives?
10:33
